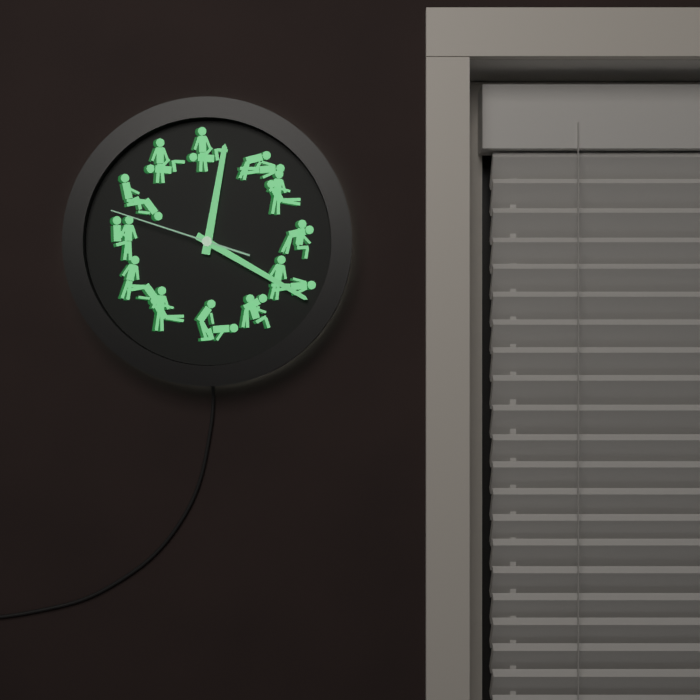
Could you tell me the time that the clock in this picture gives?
12:20:48
